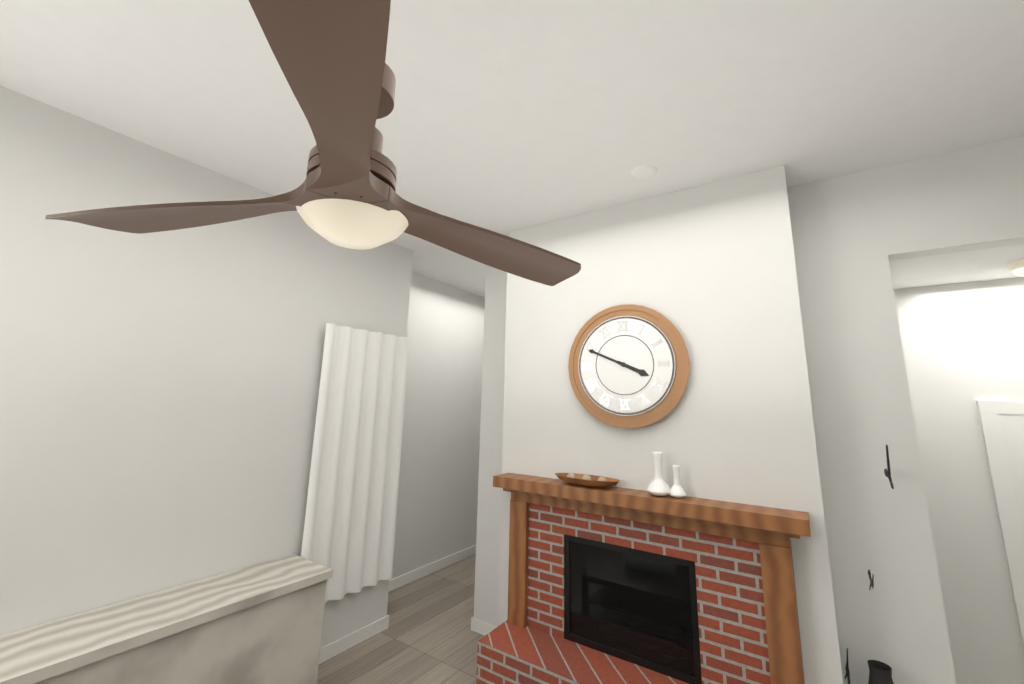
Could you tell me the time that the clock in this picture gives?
3:49
